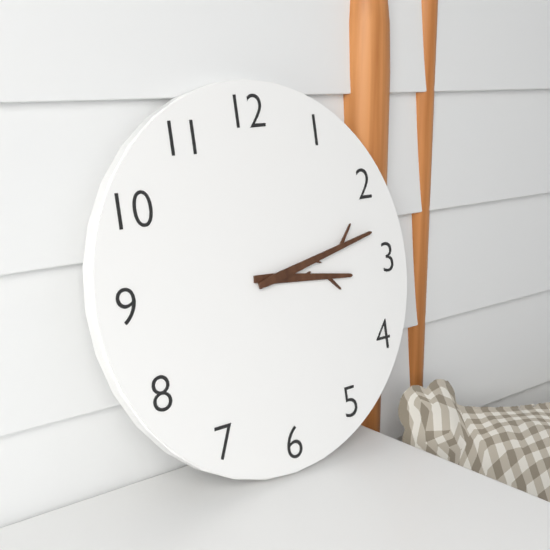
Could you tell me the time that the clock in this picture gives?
3:13
